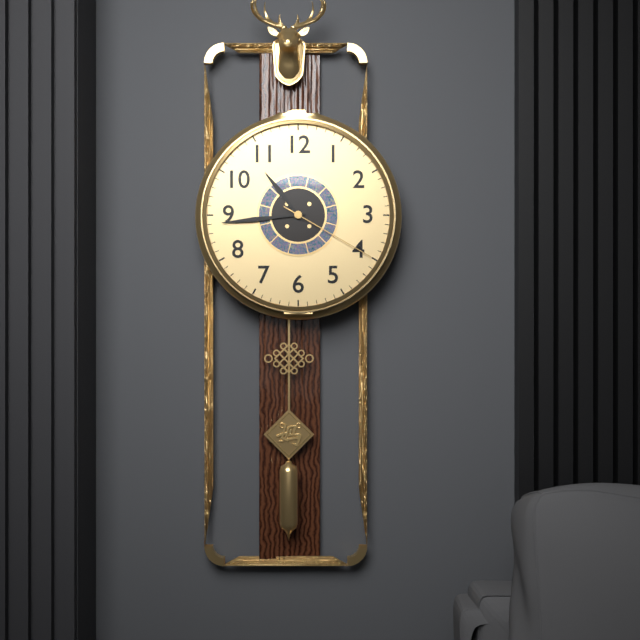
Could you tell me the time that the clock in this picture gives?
10:44:20
